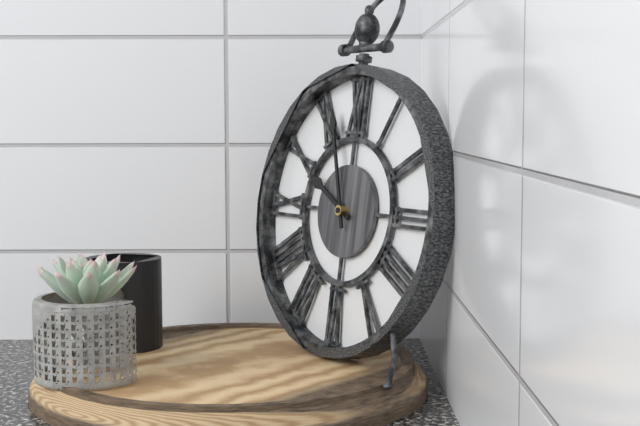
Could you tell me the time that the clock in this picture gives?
9:57
